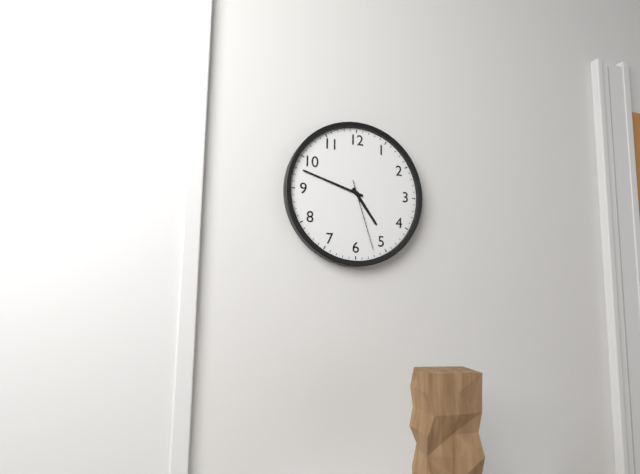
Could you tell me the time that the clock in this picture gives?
4:48:27
